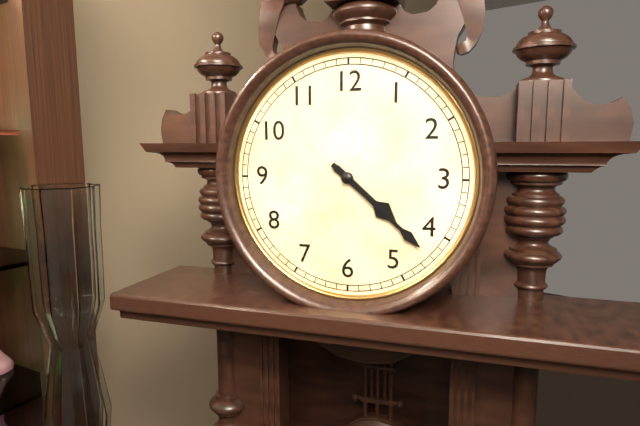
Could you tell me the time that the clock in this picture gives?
4:22
